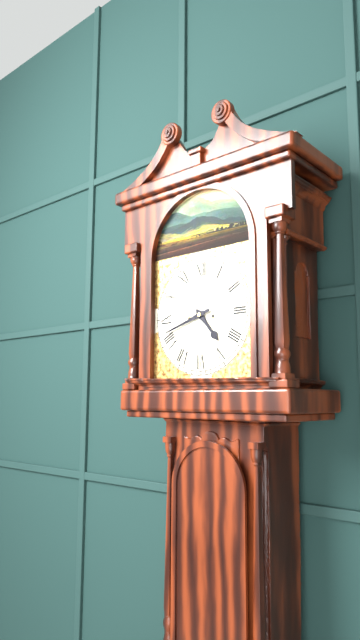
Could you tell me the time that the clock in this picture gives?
4:42
